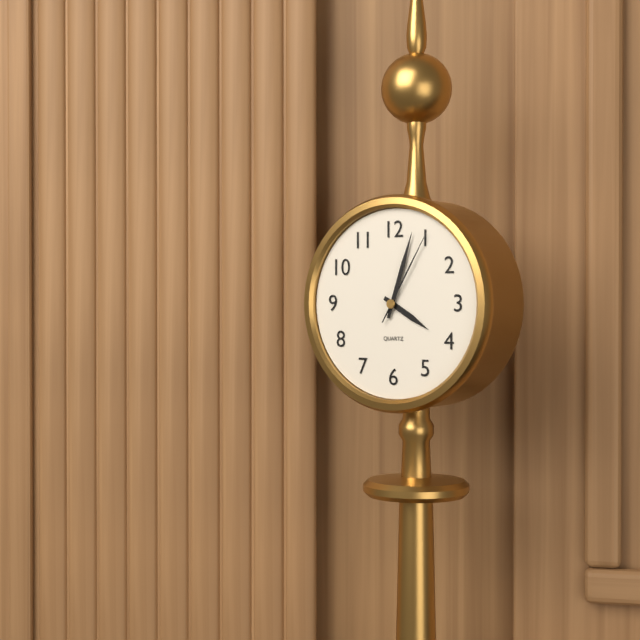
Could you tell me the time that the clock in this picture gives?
4:03:05
